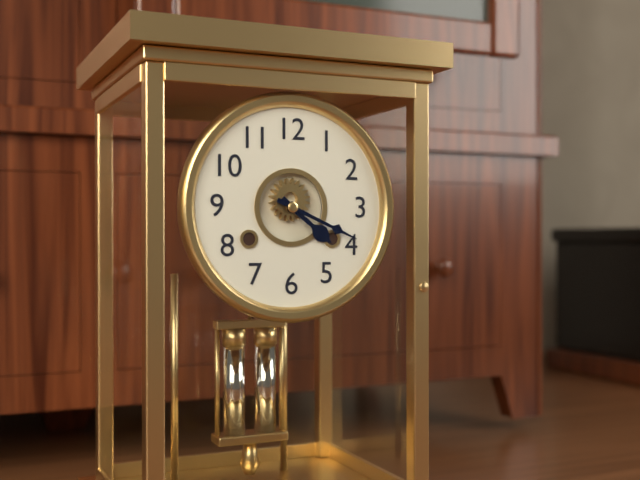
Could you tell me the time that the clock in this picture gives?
4:19
